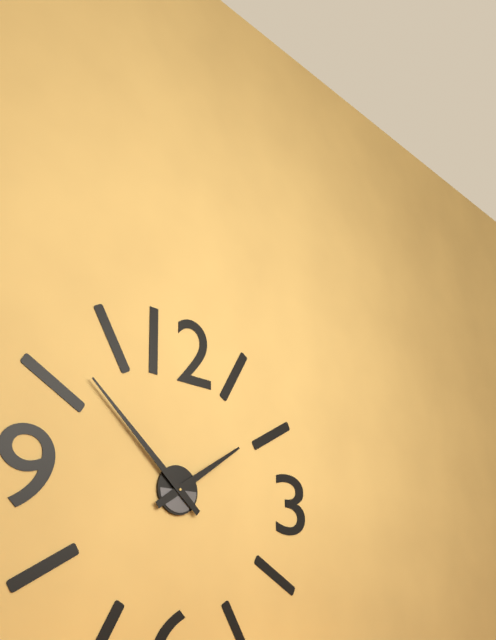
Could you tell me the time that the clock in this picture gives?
1:52
